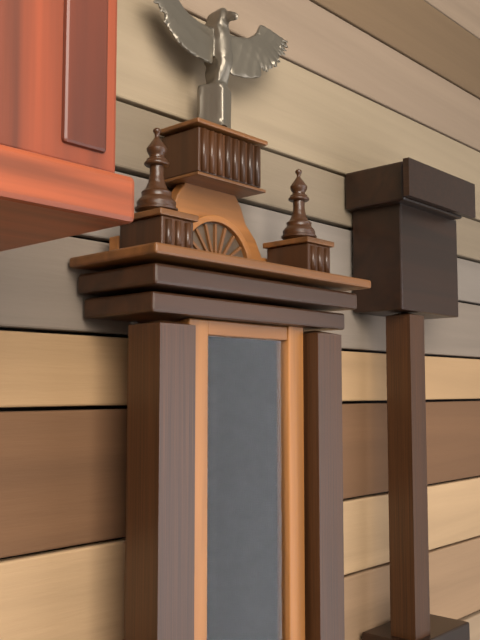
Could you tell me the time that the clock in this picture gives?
3:02
